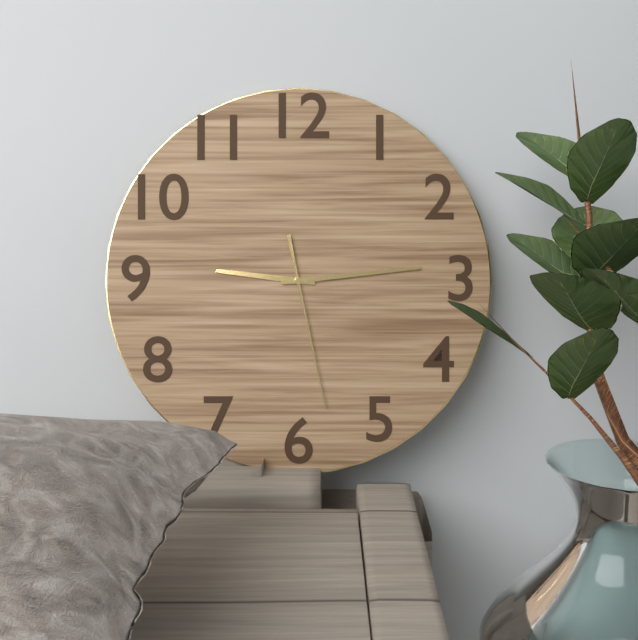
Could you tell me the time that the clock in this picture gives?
9:14:28
